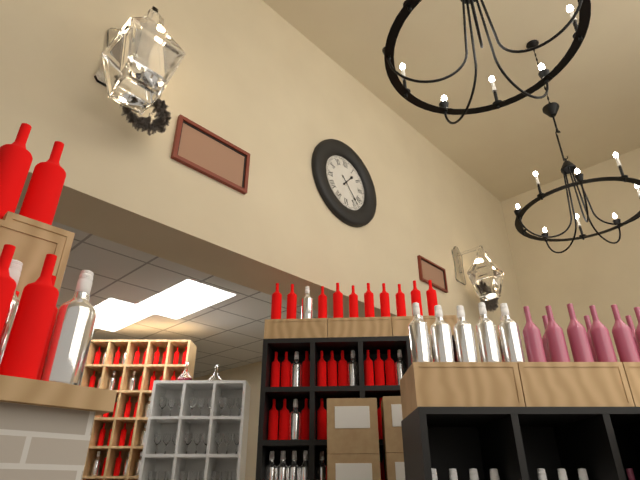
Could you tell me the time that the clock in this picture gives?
1:23
